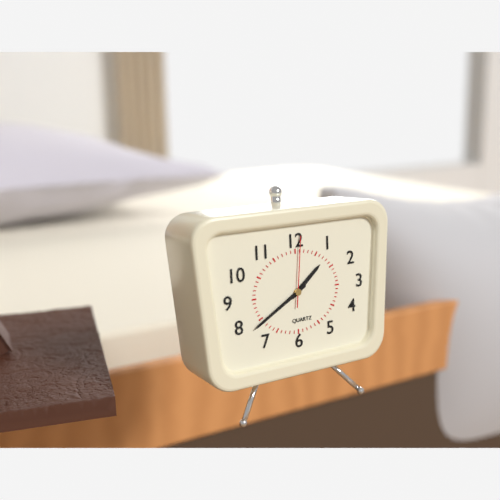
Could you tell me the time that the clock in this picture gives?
1:40:01
